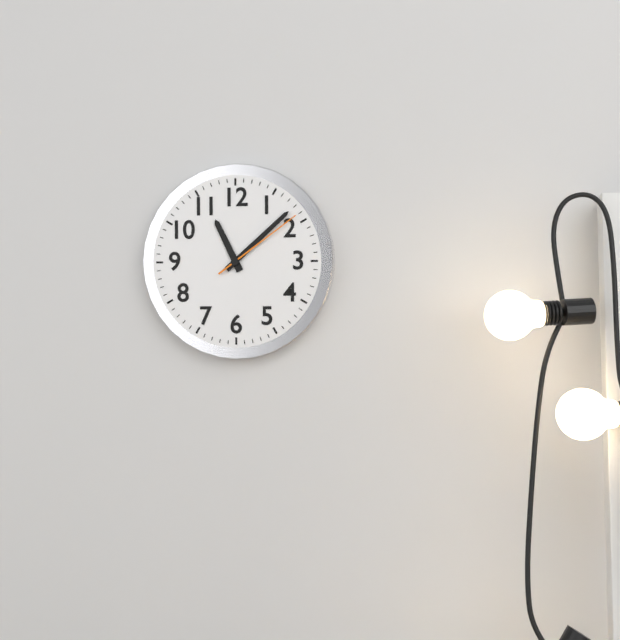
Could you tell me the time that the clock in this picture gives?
11:08:09
